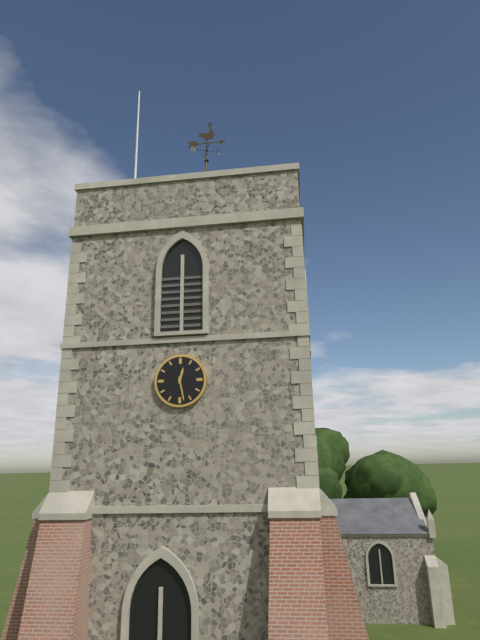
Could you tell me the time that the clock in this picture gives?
12:28
